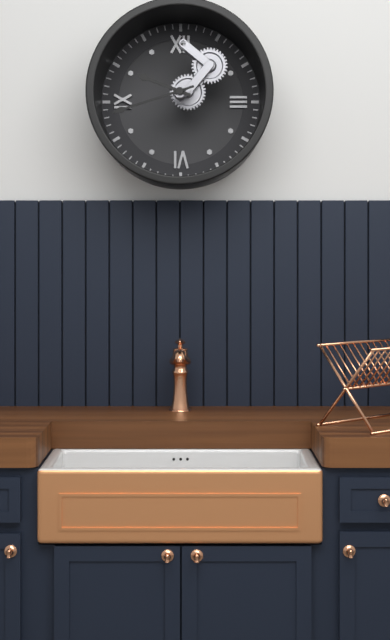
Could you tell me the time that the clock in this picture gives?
9:42
